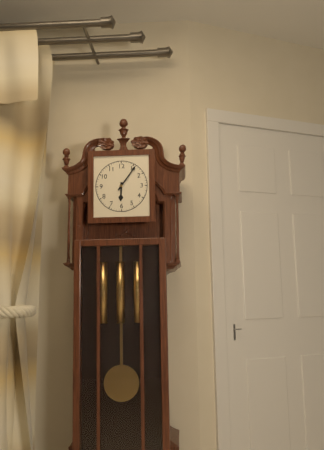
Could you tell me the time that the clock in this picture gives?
6:06
